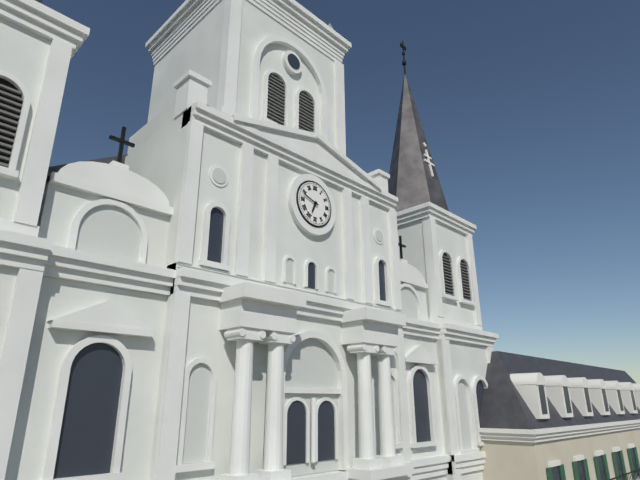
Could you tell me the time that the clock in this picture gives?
6:48
